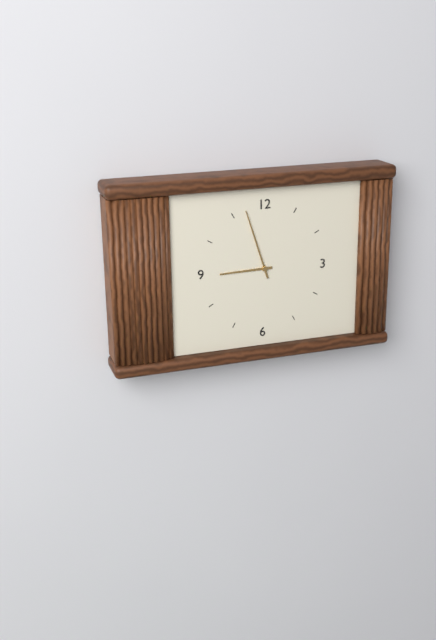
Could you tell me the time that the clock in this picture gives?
8:57
